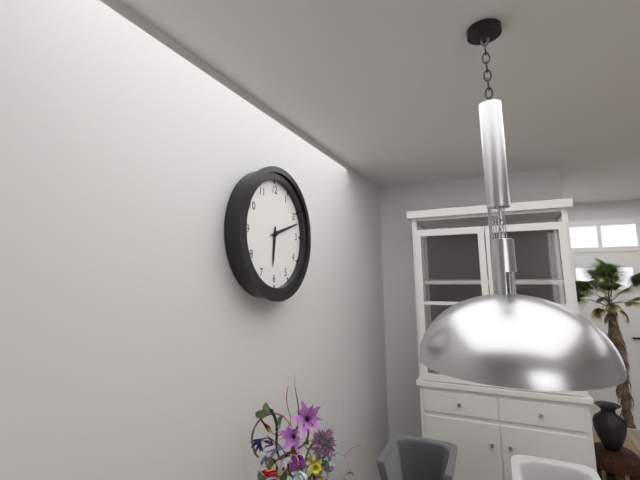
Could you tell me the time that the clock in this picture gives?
6:12
